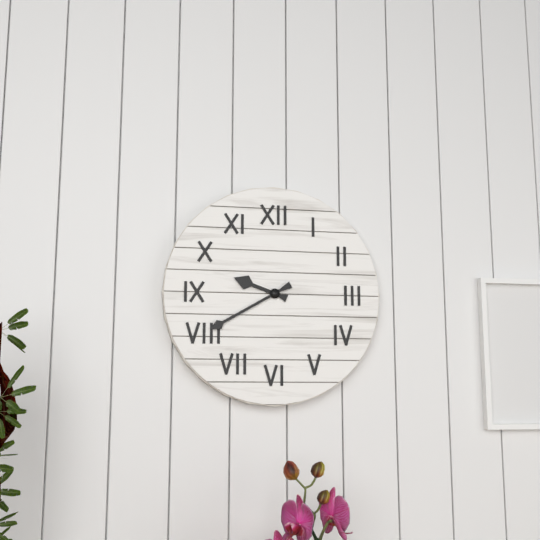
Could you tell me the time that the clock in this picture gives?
9:40
